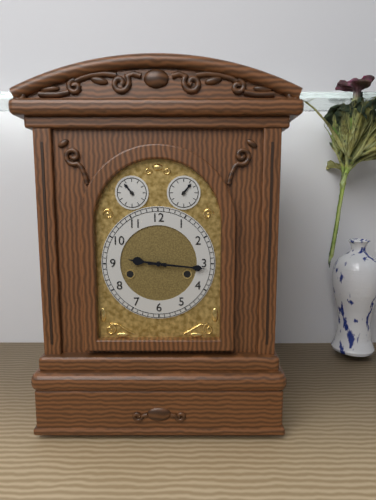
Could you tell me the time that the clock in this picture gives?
9:16
